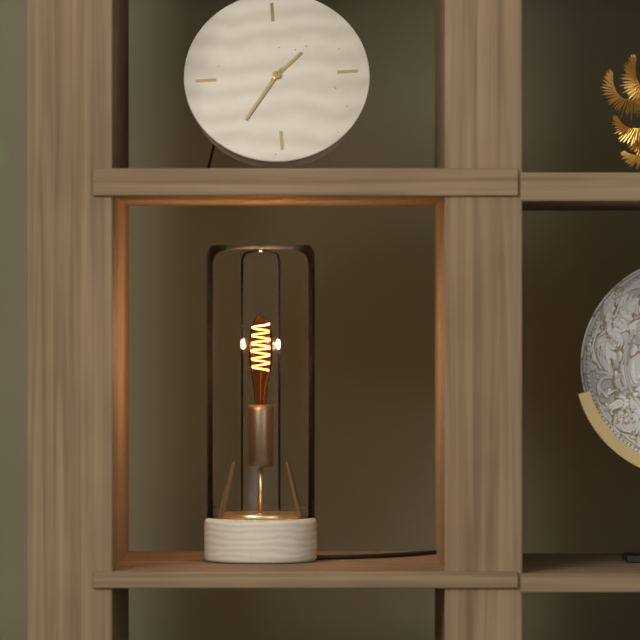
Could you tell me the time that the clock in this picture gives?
1:36
